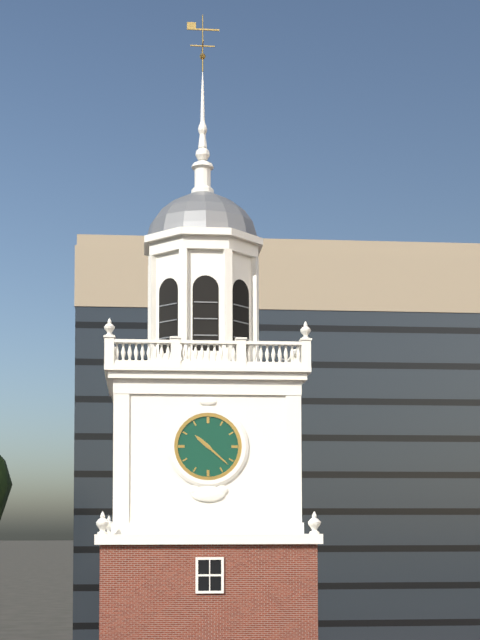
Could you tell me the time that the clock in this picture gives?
10:22
